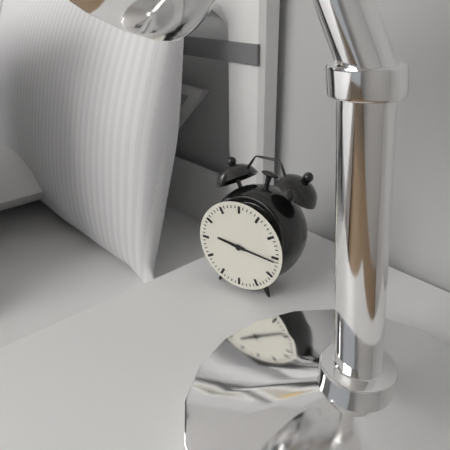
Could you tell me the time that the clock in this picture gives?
9:16
